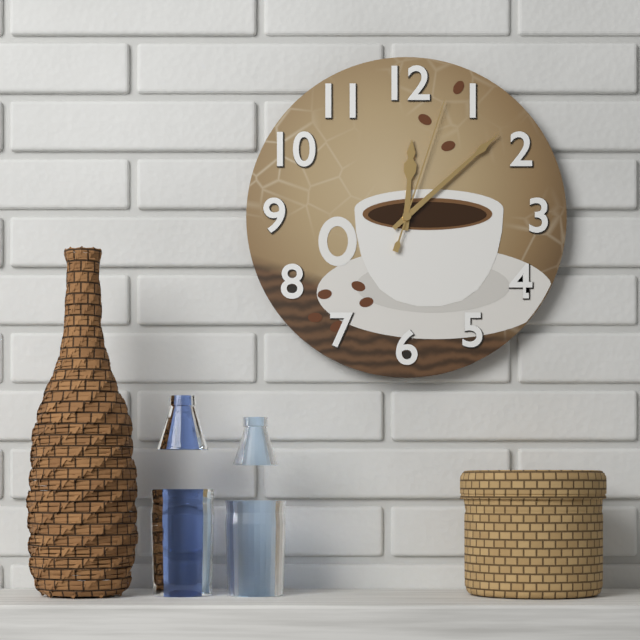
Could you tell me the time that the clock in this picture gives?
12:08:03
